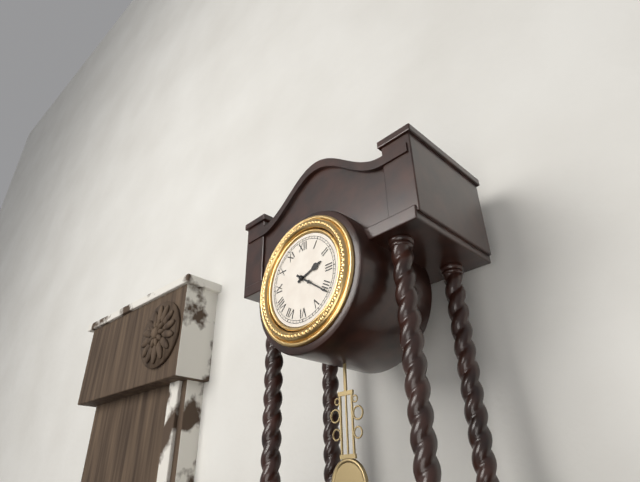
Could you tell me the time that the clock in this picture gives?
2:21
